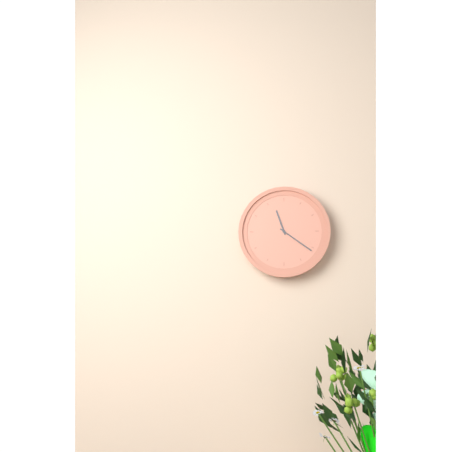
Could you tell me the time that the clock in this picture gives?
11:21
